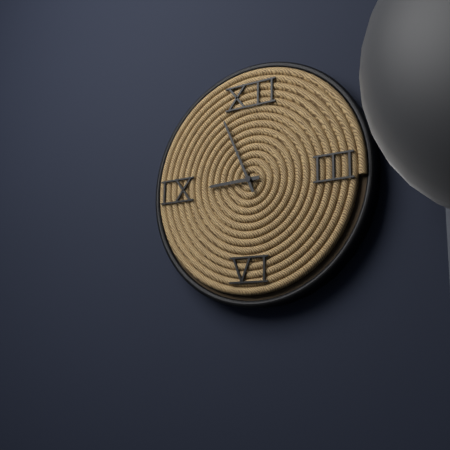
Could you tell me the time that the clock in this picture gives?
8:56
